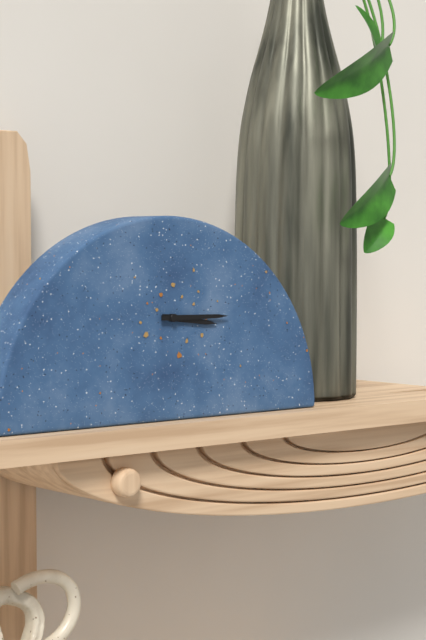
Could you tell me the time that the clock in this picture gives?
3:15
